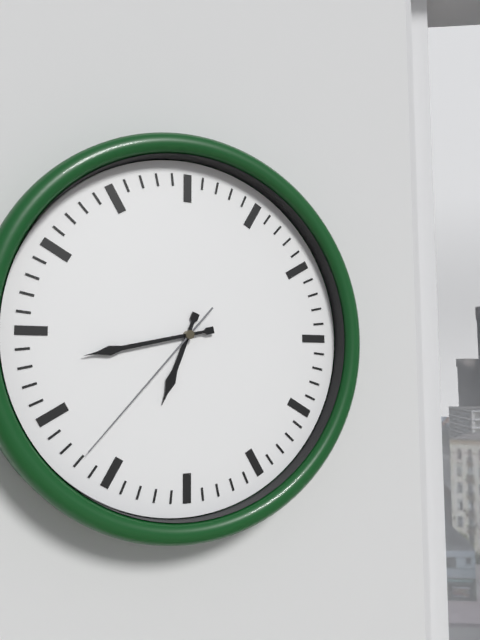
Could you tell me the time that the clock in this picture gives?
6:43:37
